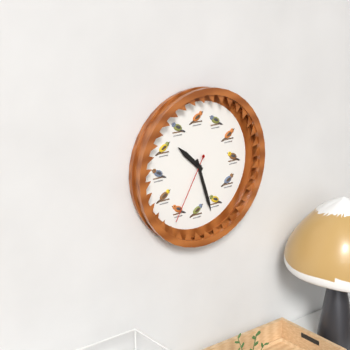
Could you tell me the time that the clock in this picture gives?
10:27:35
